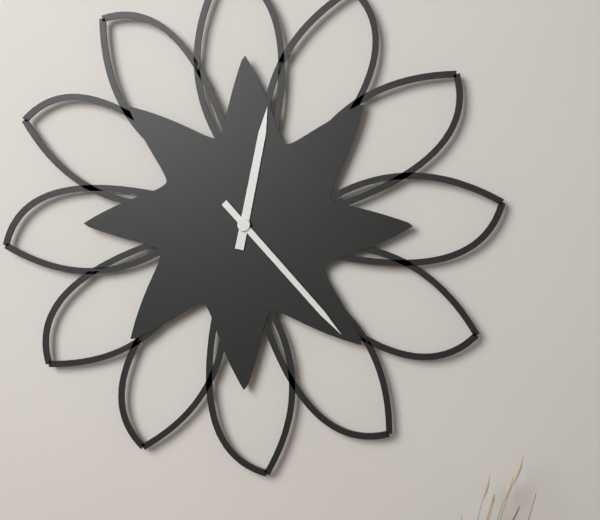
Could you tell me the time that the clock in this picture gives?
12:23
